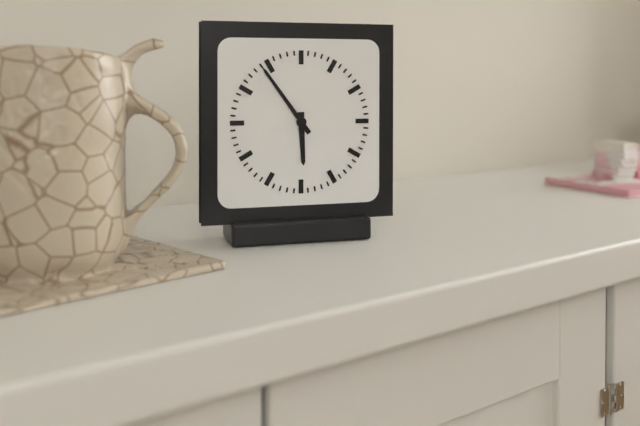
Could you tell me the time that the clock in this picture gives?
5:54
